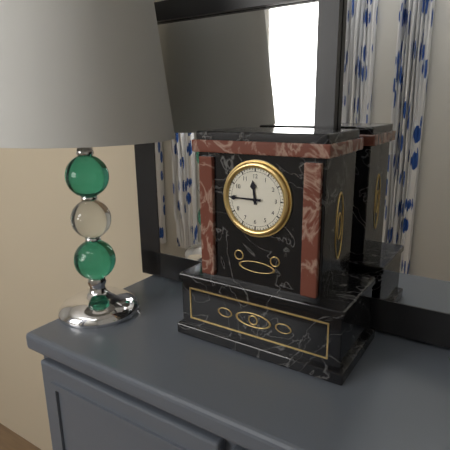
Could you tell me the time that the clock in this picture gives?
11:45
